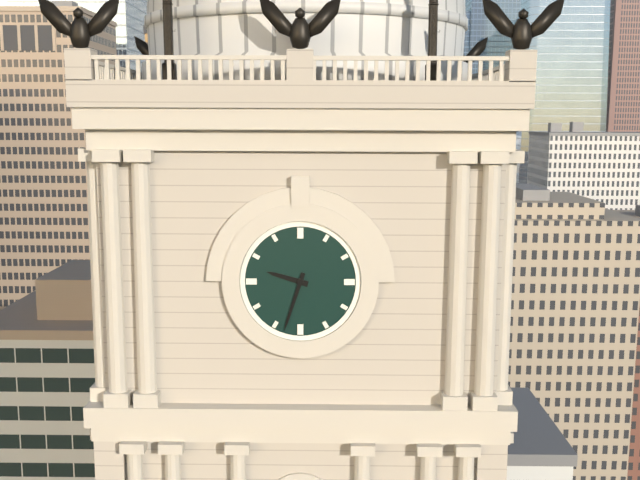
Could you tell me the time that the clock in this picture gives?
9:33
